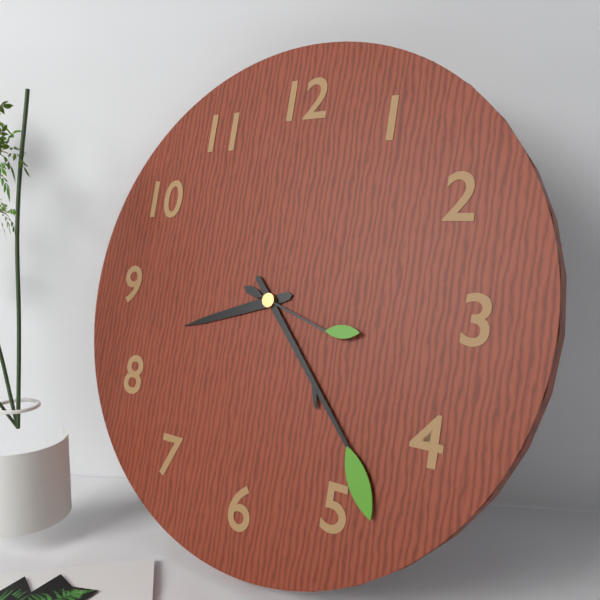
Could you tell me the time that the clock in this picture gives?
8:23:18
